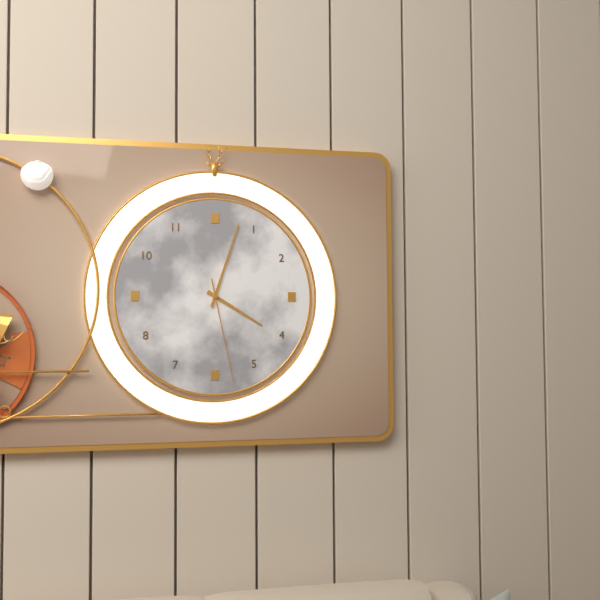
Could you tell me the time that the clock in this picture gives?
4:03:28
